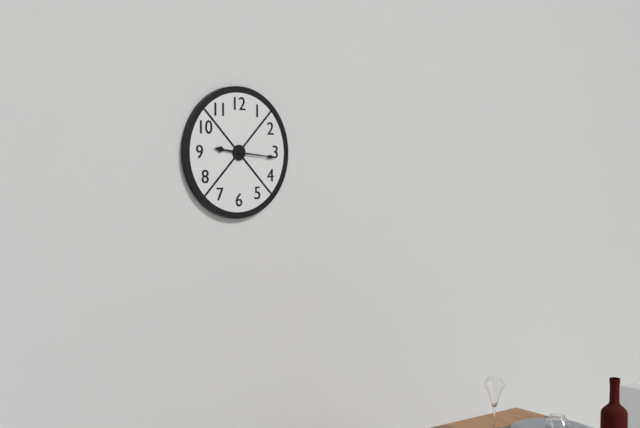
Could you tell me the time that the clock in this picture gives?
9:16
